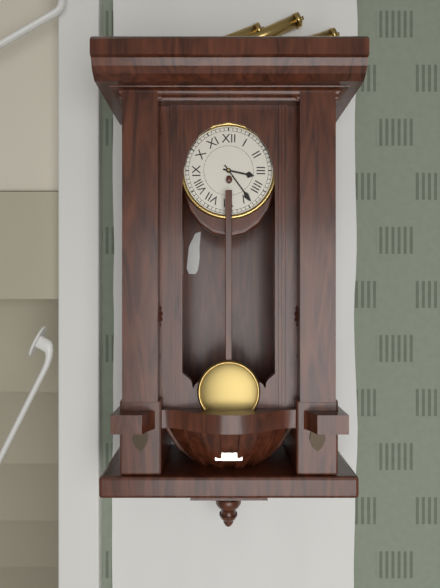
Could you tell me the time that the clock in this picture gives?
3:24
